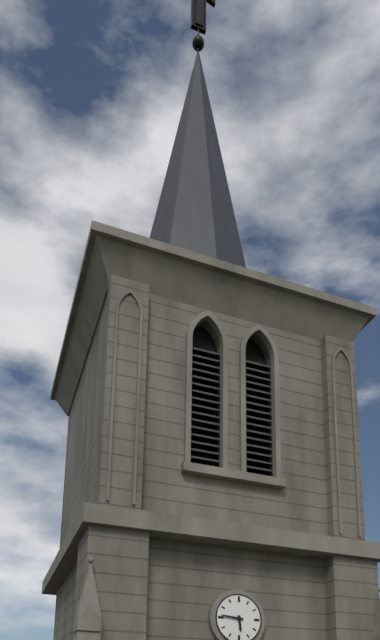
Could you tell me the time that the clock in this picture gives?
5:46
